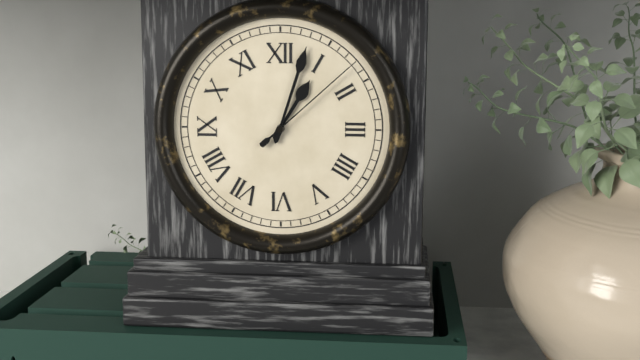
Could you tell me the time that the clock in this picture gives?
1:03:08
